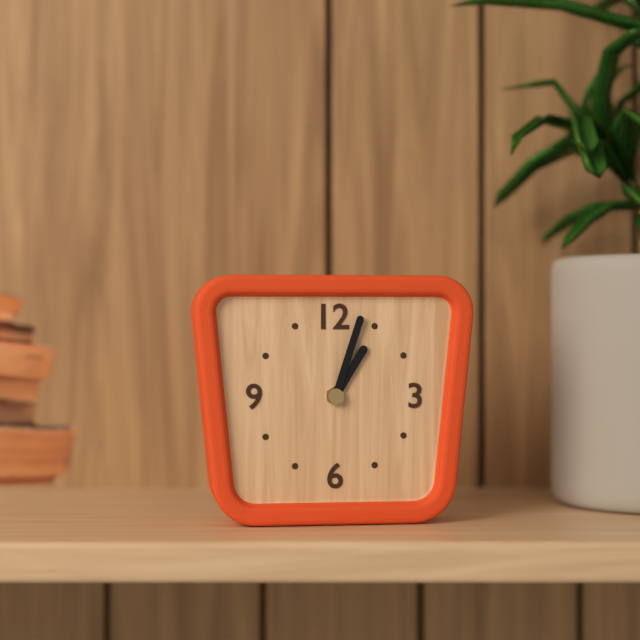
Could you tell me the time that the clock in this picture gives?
1:03
